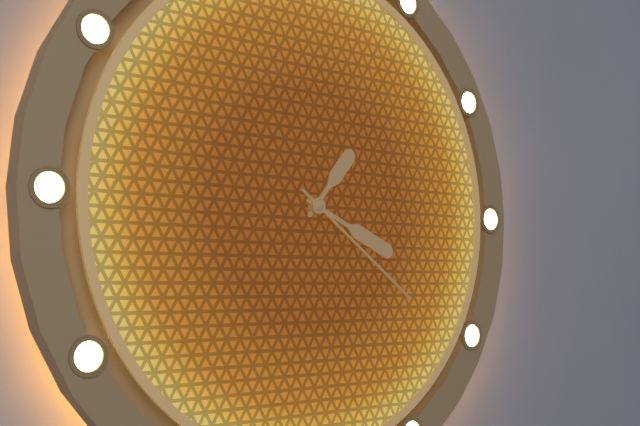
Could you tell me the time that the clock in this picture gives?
1:19:21
